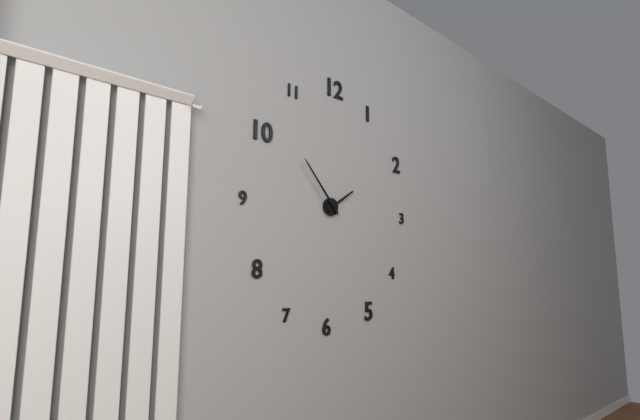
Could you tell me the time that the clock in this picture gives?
1:53
